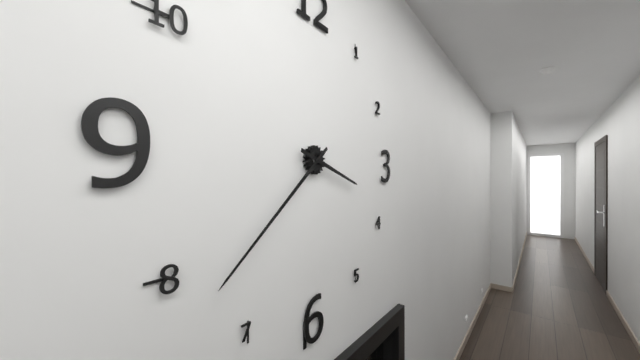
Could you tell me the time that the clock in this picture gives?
3:38
